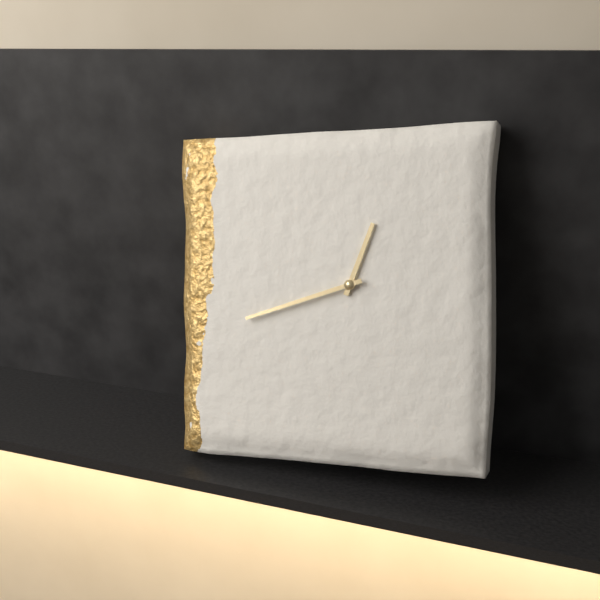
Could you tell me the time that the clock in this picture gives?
12:42
